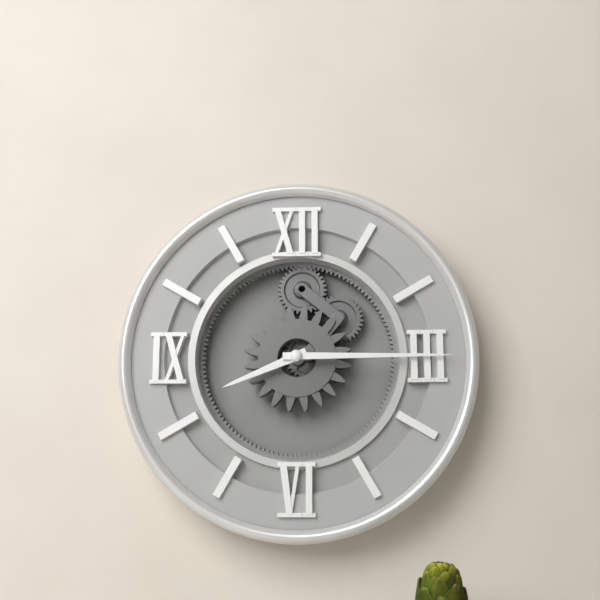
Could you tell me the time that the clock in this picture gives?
8:15
